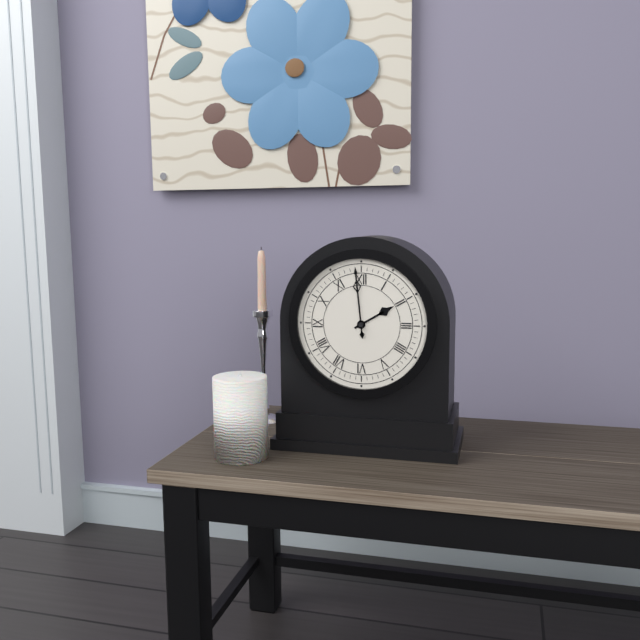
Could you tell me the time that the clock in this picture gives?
1:59
